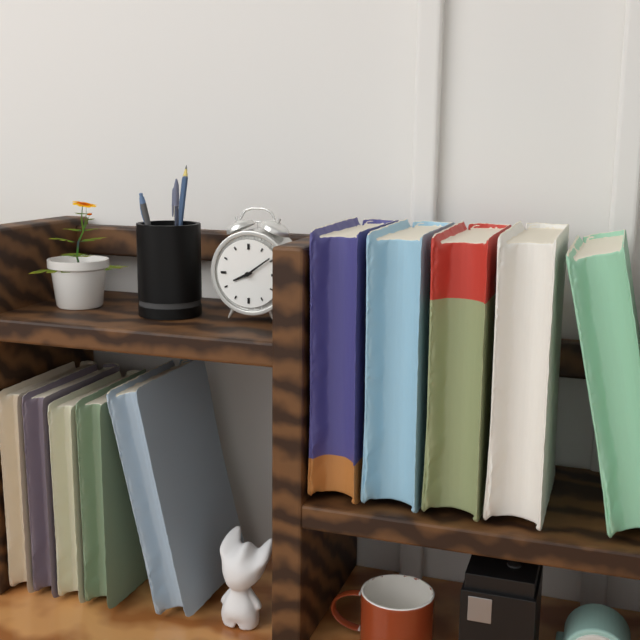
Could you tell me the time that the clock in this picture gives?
8:09
